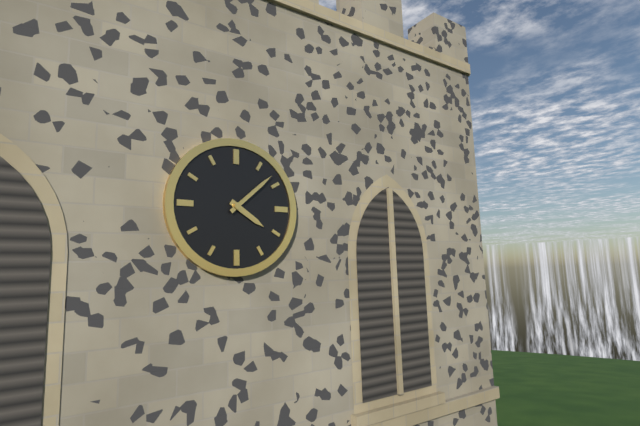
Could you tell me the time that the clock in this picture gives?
4:08
